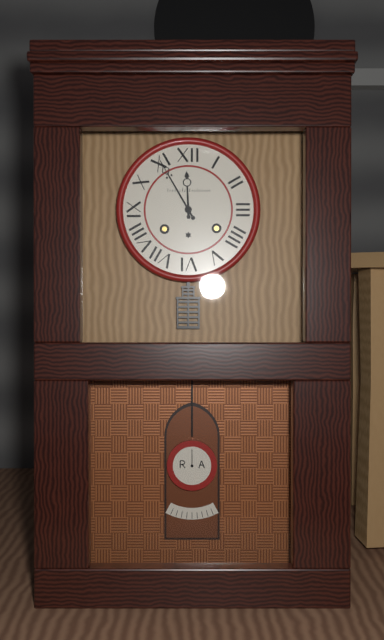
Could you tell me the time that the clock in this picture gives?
11:55
